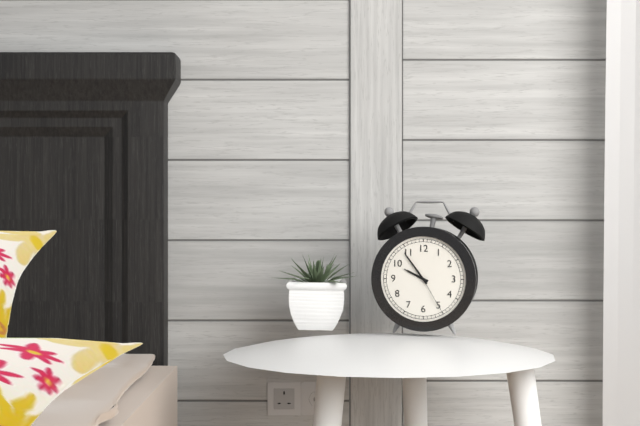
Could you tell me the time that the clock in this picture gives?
9:54
